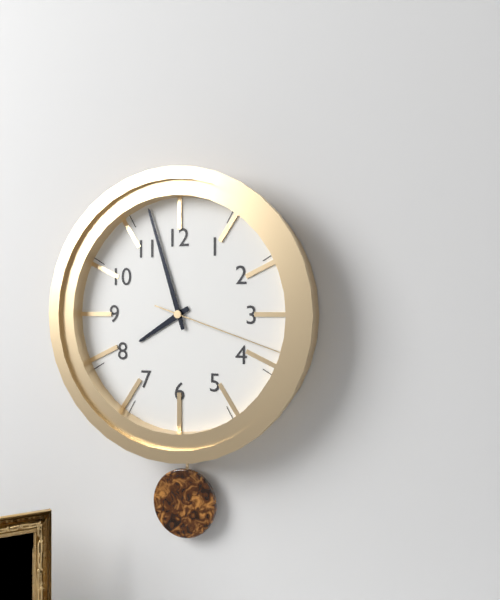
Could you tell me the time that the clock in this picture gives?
7:57:18
